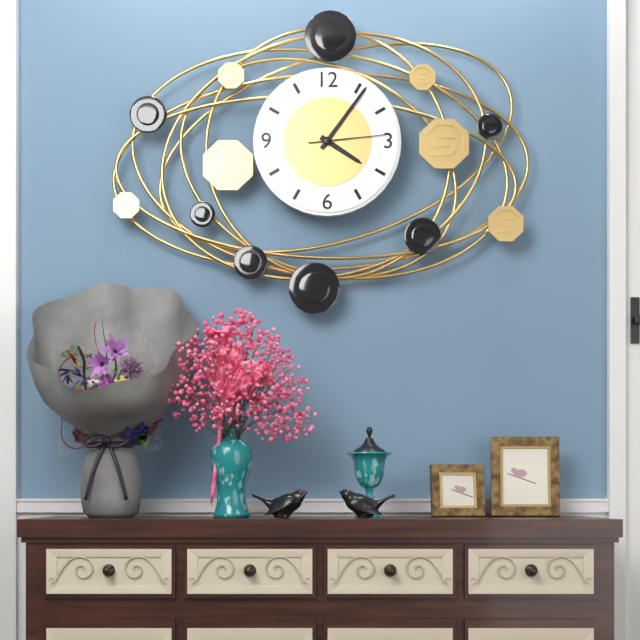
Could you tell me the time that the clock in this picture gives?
4:06:14
